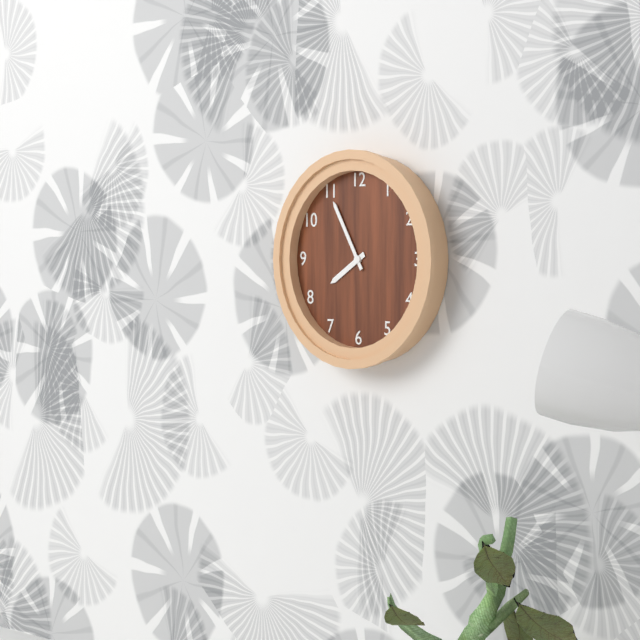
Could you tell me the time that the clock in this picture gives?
7:55
